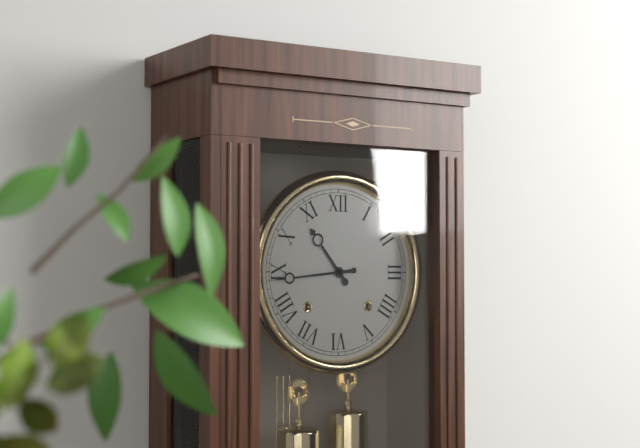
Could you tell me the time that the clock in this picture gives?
10:44
